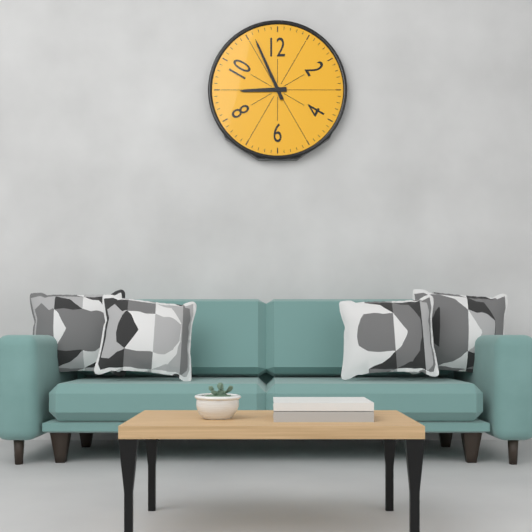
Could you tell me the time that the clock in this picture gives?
8:56
